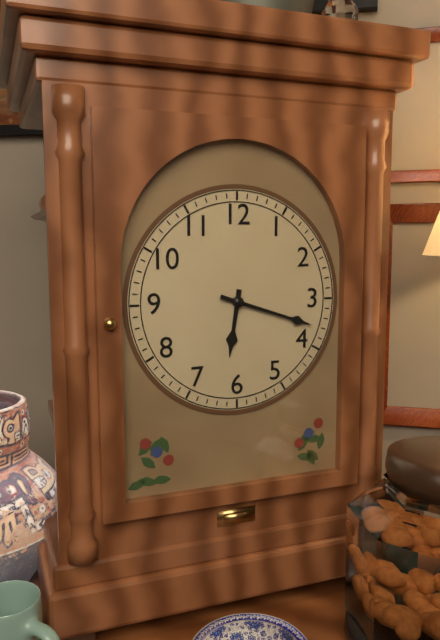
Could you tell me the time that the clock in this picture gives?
6:18
